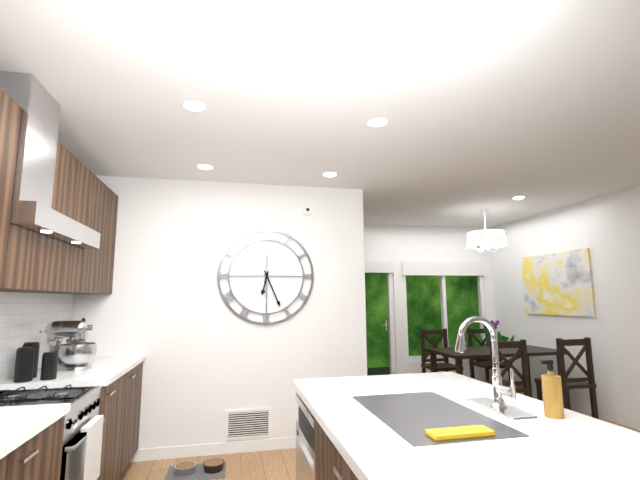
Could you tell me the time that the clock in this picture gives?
6:26
